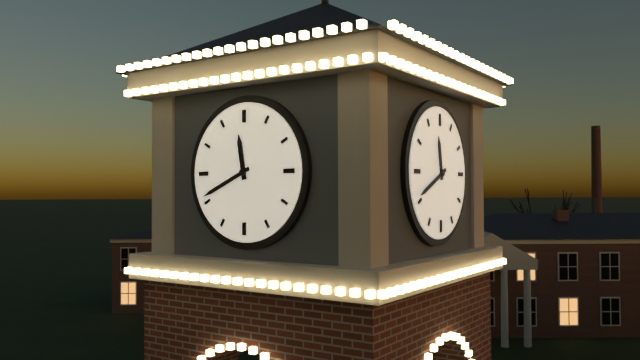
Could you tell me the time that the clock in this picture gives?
11:41
